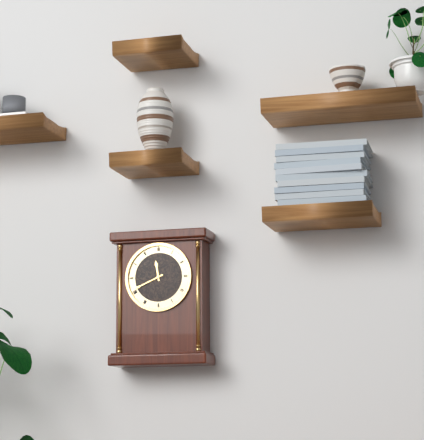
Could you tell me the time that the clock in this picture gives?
11:41
